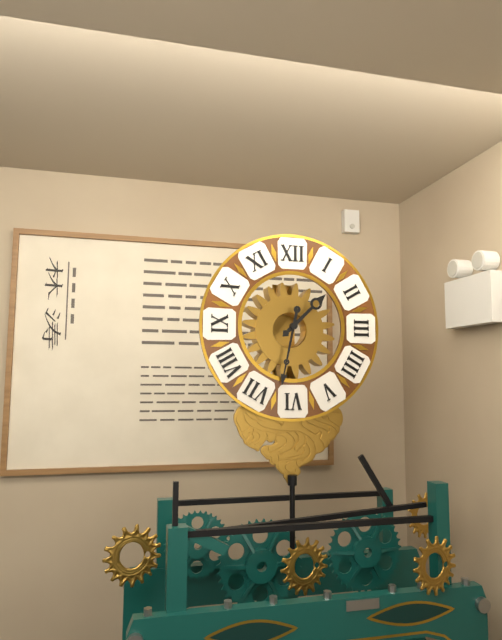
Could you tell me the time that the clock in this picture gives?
1:32
